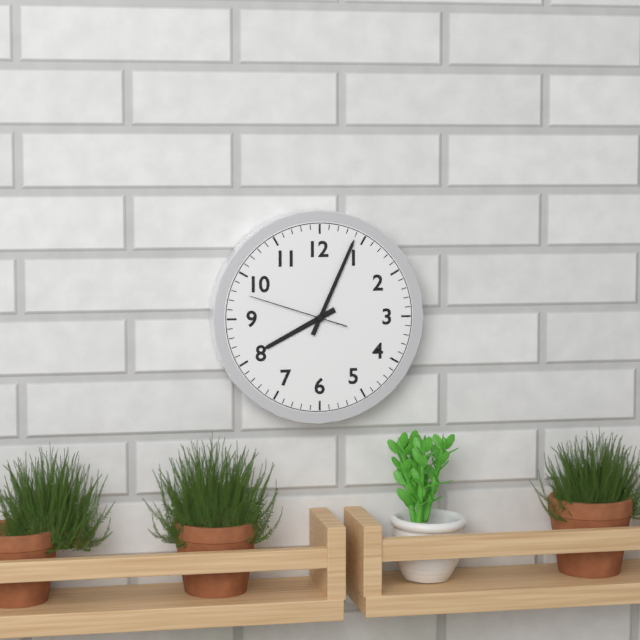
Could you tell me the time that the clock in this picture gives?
8:04:48
